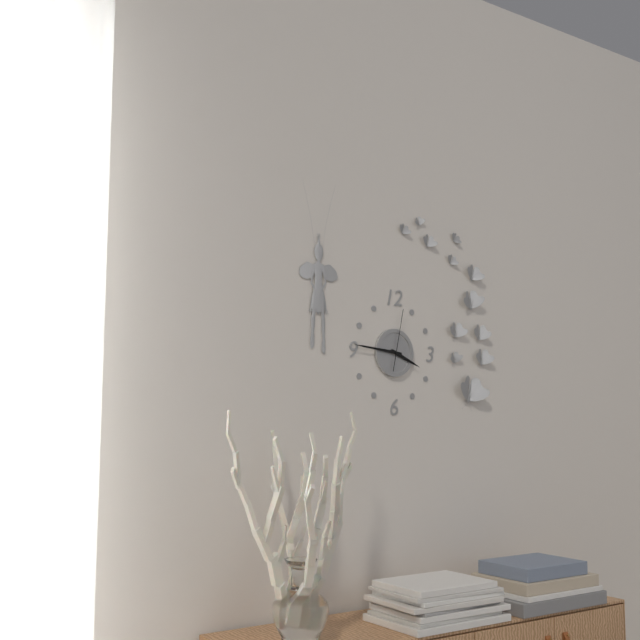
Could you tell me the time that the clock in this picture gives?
3:46:02
